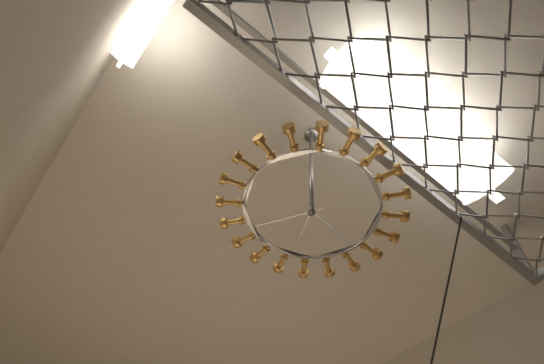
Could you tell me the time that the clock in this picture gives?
5:16:35
